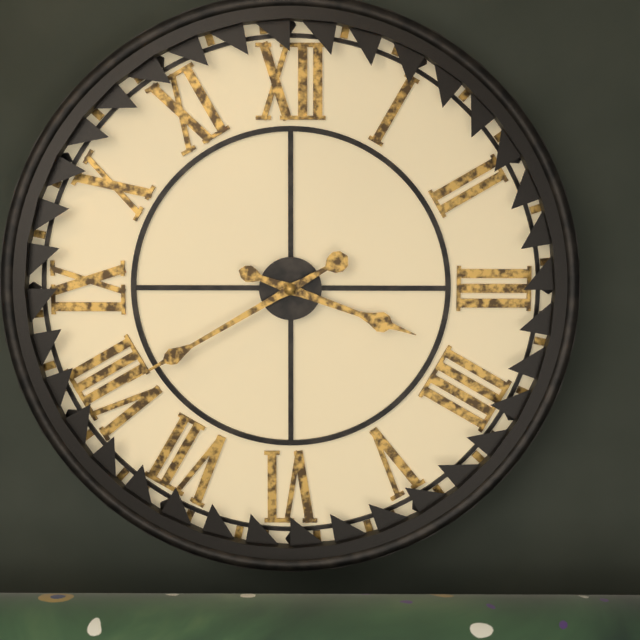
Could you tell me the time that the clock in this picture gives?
3:40
